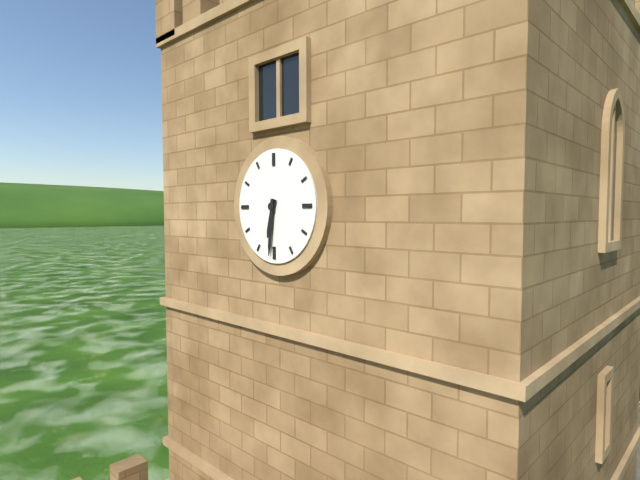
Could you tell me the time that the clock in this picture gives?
6:31
